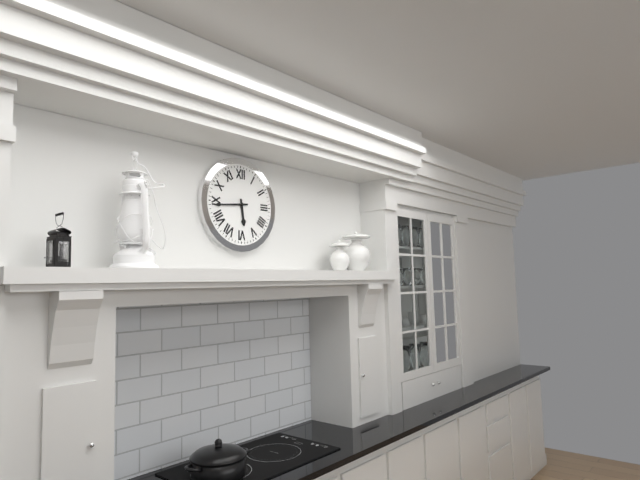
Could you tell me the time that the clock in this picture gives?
5:44
